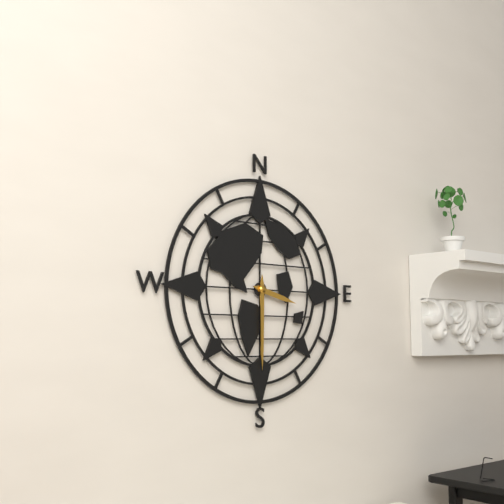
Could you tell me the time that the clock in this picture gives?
3:30
